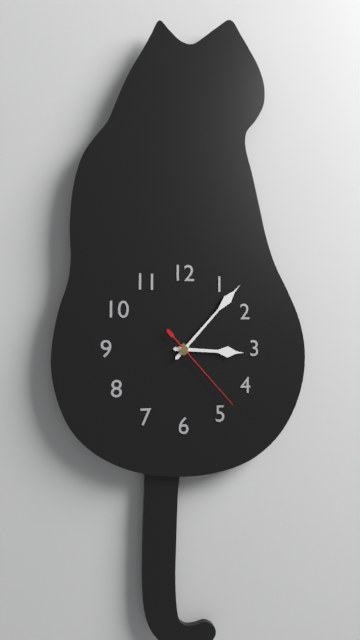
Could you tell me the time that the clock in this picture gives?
3:07:23
